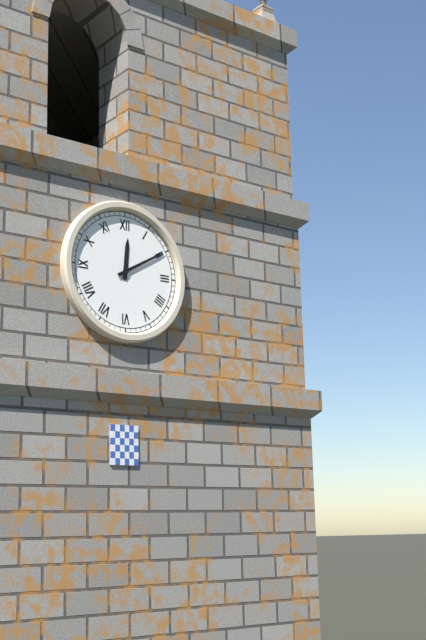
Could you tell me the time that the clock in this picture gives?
12:10
